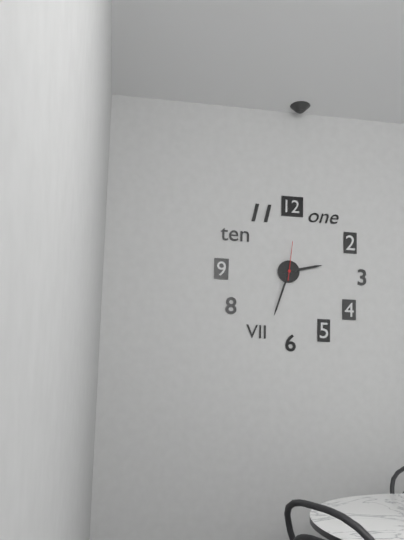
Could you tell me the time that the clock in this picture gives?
2:33
